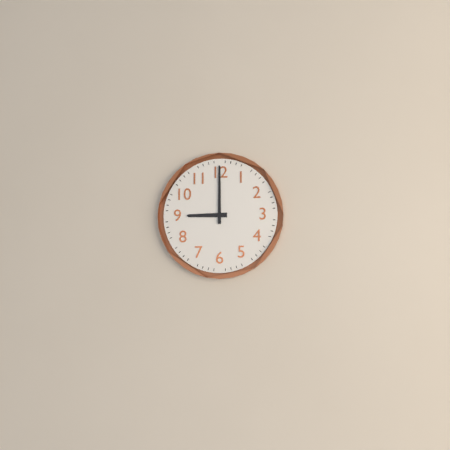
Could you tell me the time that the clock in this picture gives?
9:00
